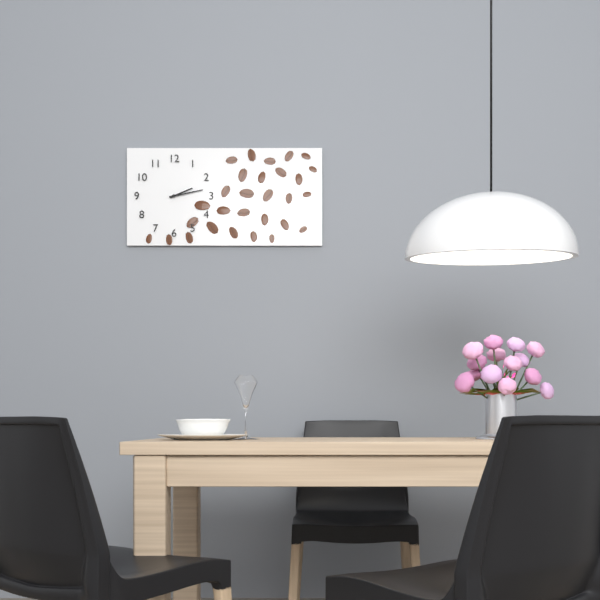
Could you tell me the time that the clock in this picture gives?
2:13
